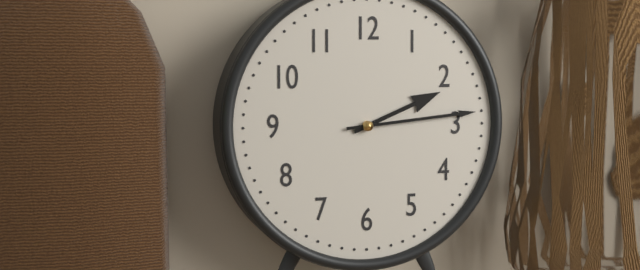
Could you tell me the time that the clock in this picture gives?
2:14
